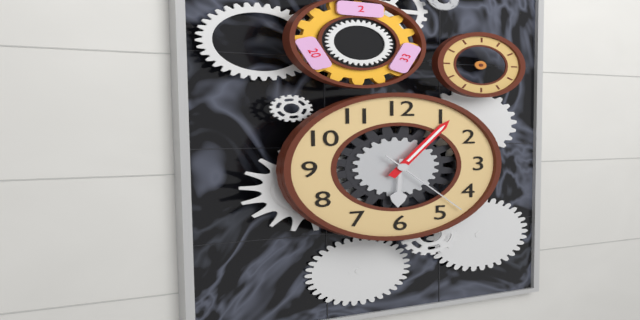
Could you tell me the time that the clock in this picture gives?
6:06:23
